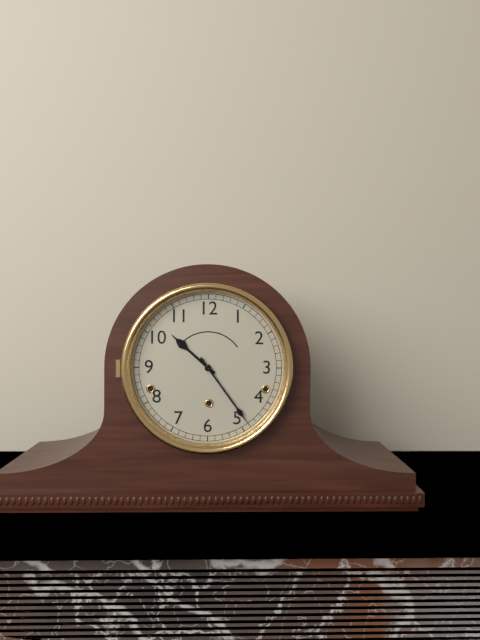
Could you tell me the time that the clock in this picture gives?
10:24
